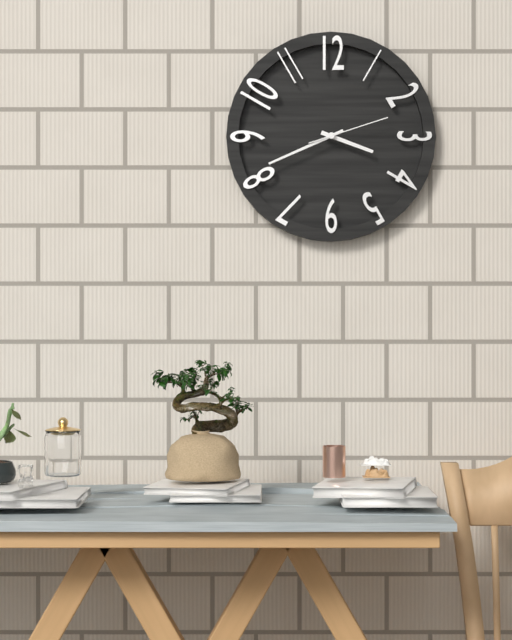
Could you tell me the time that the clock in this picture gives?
3:41:12
